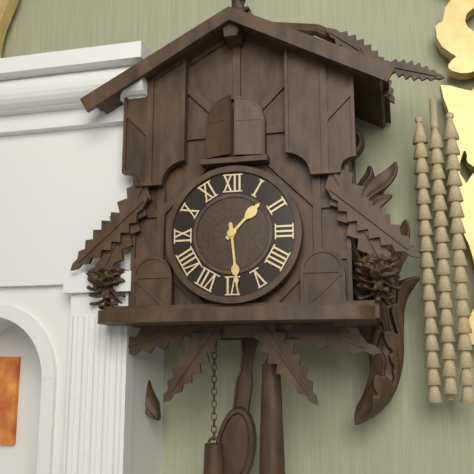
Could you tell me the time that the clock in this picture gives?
1:29
